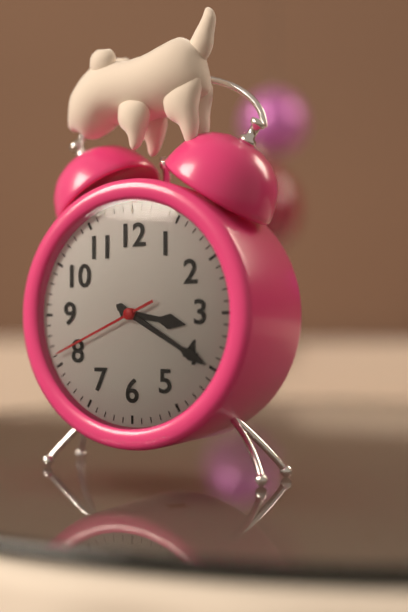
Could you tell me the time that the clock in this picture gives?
3:20:41
